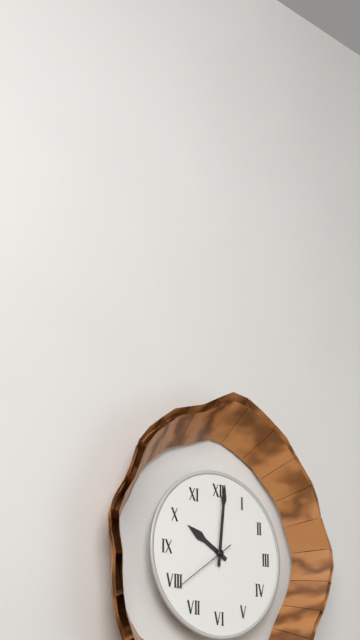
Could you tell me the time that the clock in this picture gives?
10:01:39
